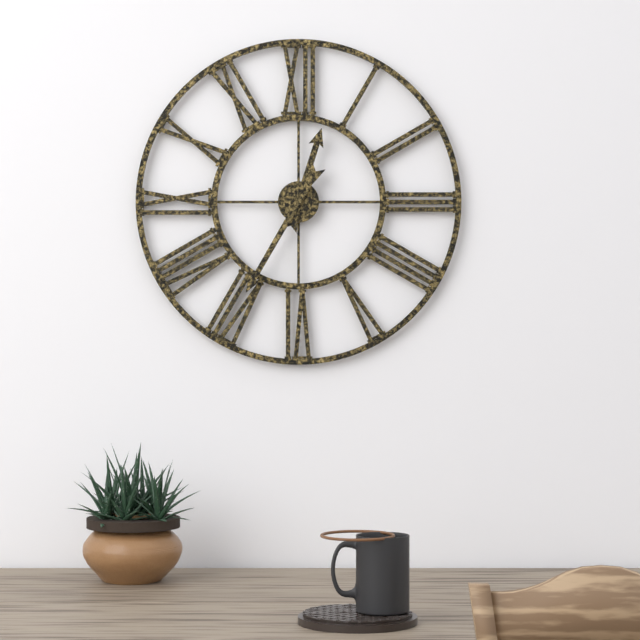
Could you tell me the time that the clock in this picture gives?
12:35
